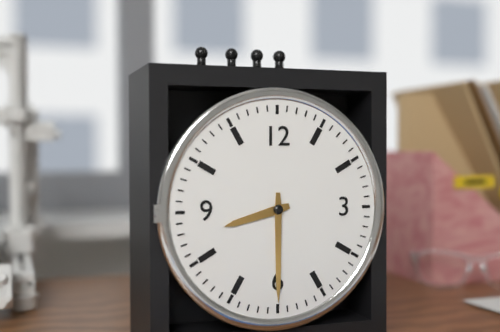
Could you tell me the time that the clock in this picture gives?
8:30
